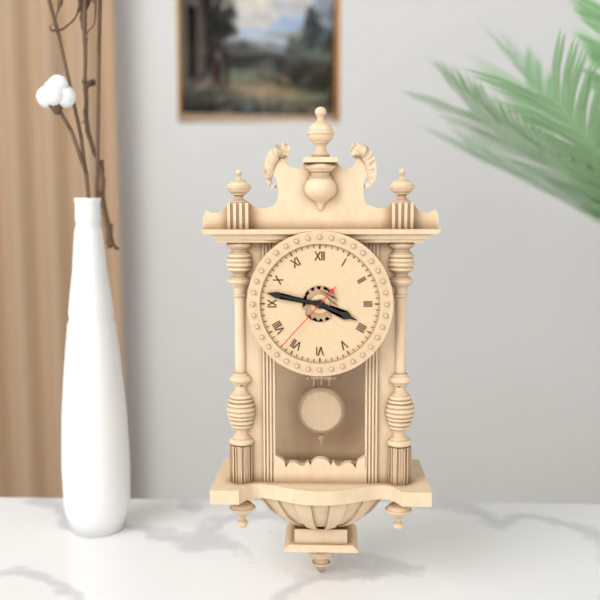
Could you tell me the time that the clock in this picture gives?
3:47:37
